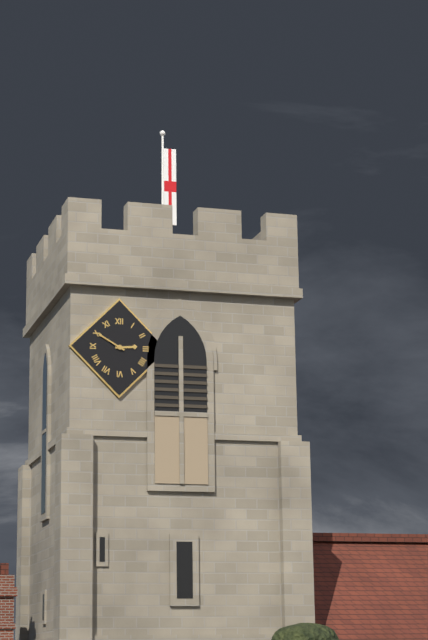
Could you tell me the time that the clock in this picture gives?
2:50
